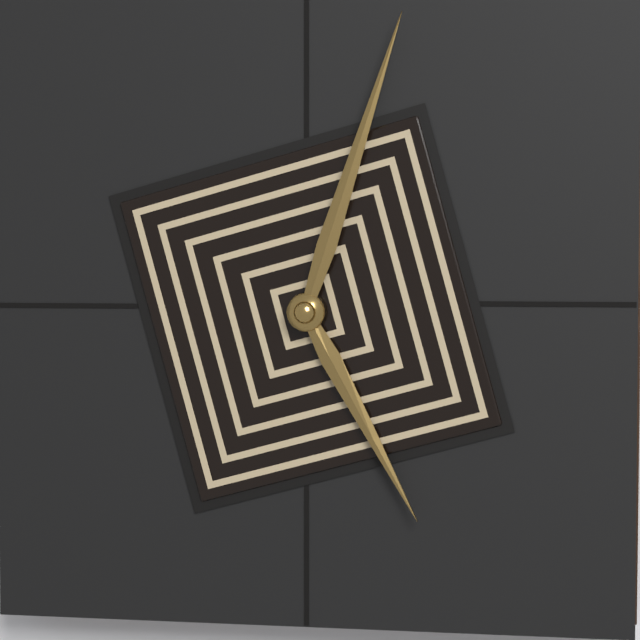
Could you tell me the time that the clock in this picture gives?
5:03
